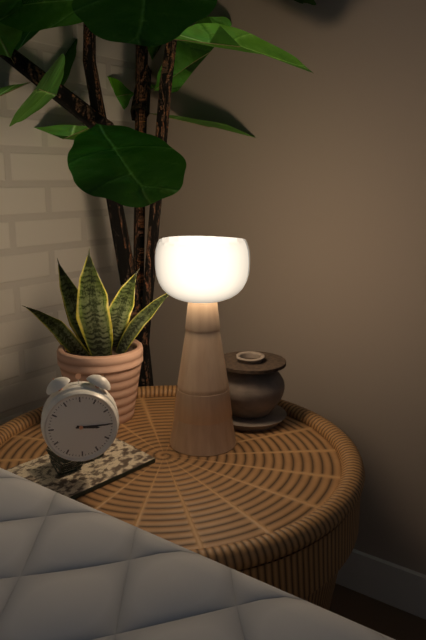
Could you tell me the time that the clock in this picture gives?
3:15
